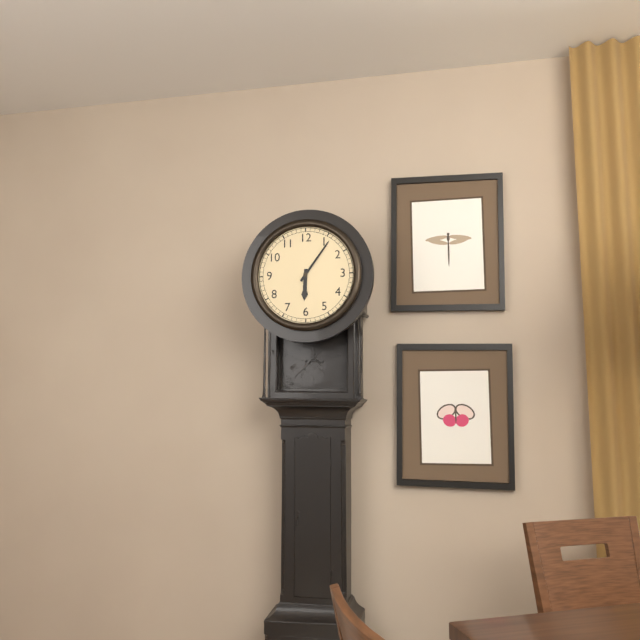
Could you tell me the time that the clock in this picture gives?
6:06
